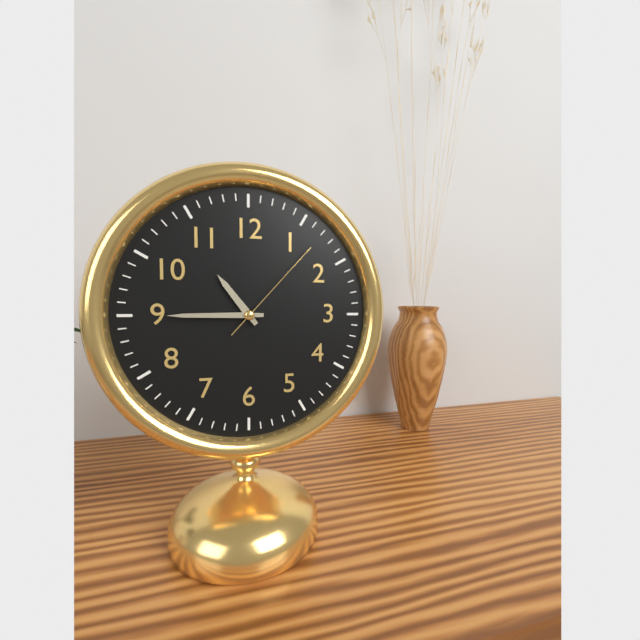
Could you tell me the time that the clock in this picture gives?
10:45:07
